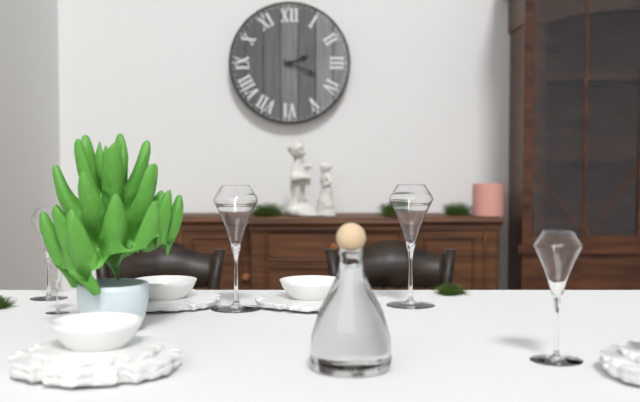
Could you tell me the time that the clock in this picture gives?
2:19
